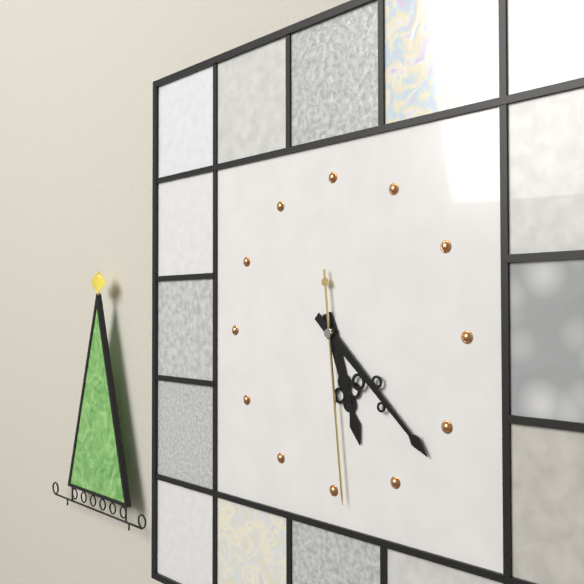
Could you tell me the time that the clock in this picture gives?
5:22:29
